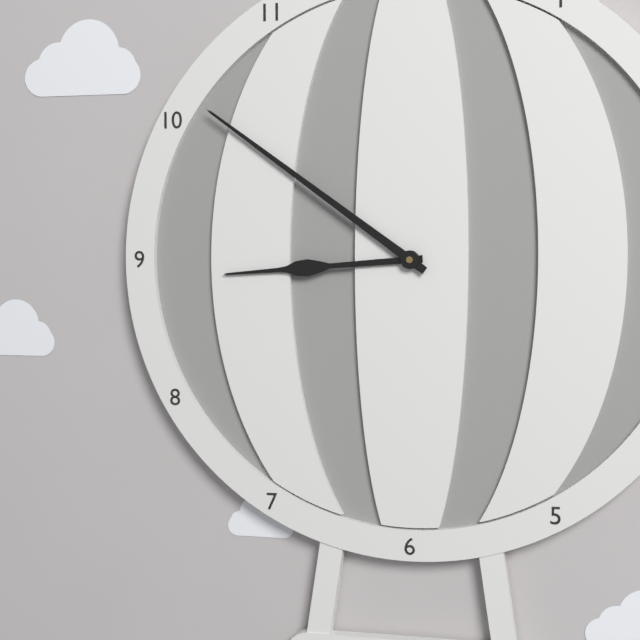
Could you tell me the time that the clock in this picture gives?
8:51
